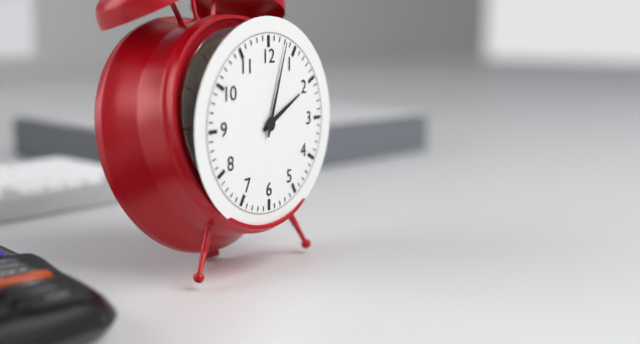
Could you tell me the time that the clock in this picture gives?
2:03
